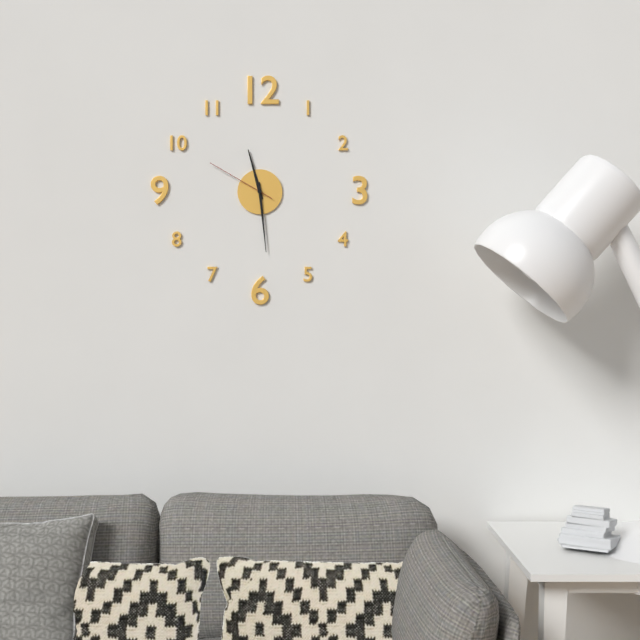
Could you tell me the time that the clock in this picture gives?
11:29:50
